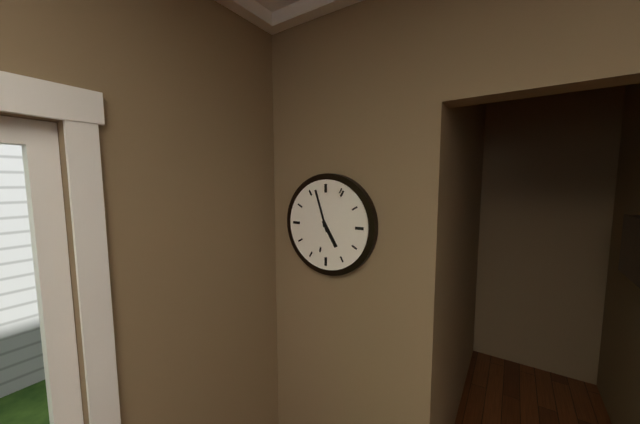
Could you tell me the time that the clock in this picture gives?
4:57
